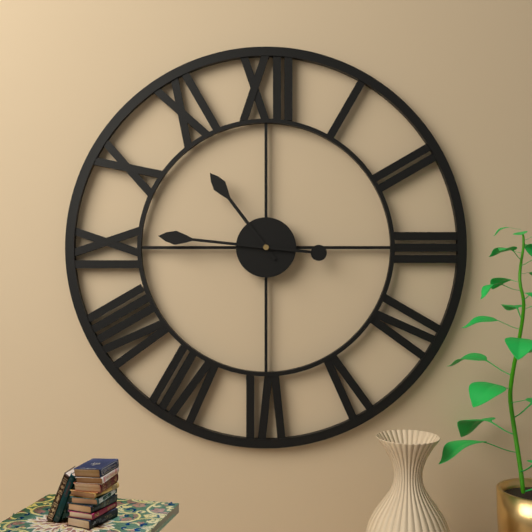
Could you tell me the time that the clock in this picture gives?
10:46
